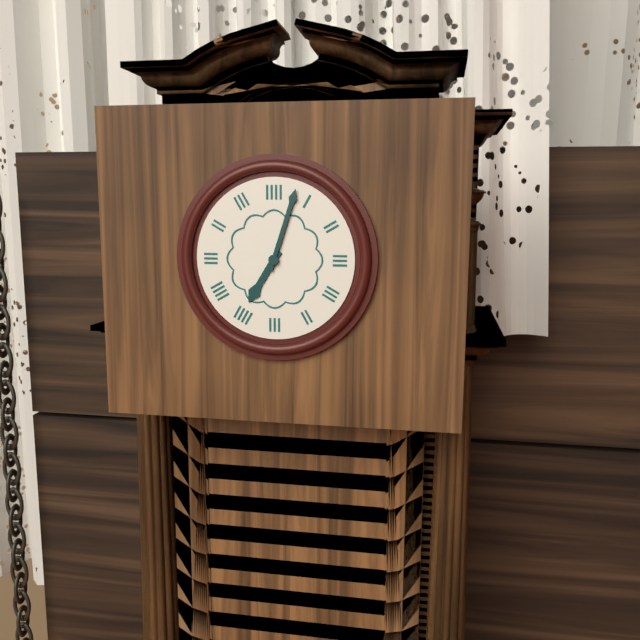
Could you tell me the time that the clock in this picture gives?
7:03
